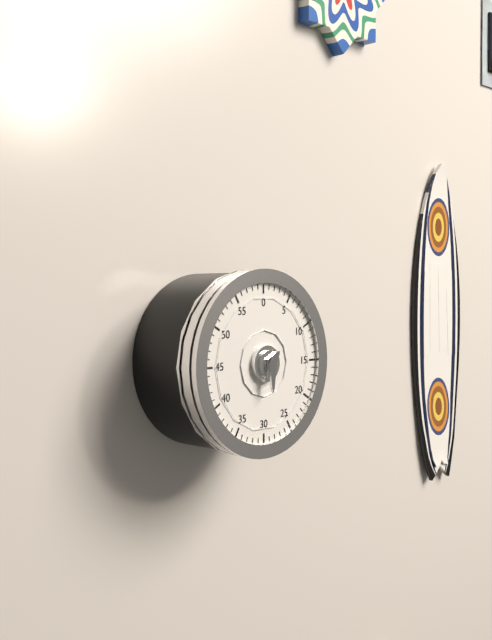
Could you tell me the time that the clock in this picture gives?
1:30
